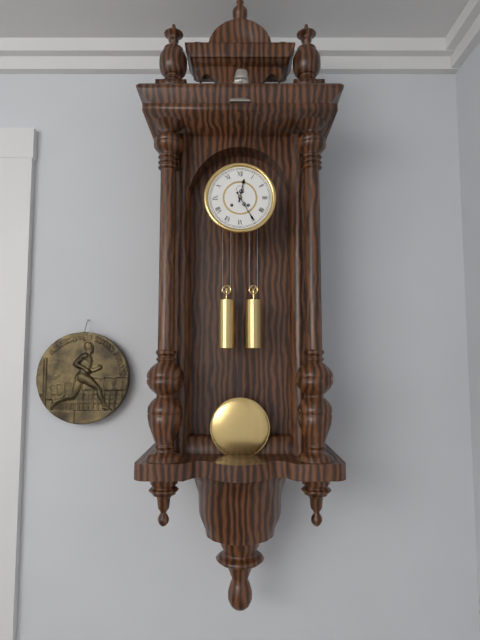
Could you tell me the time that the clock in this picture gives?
12:25
